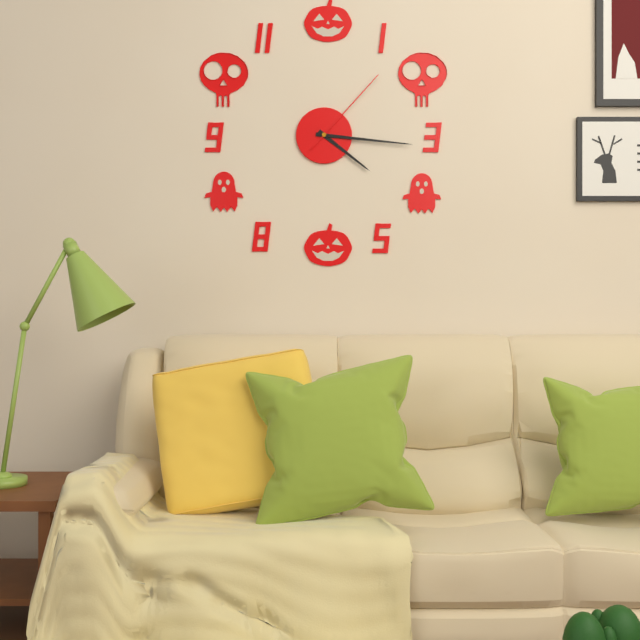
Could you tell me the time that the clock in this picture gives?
4:16:07
